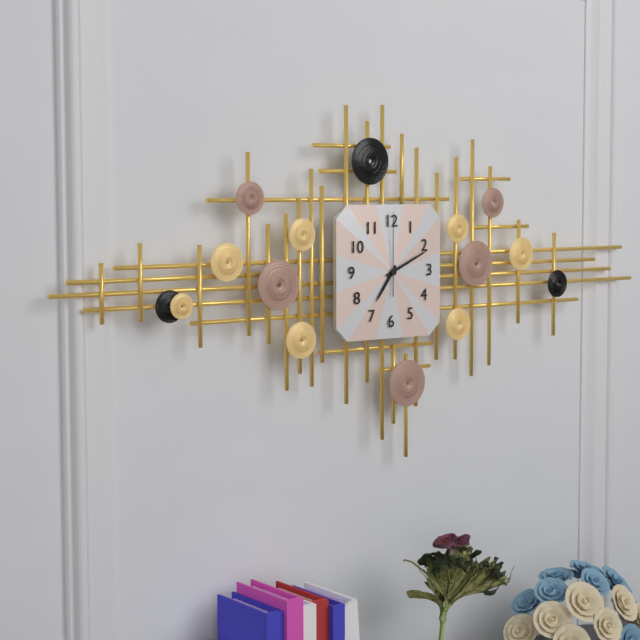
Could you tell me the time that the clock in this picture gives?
7:11:00
